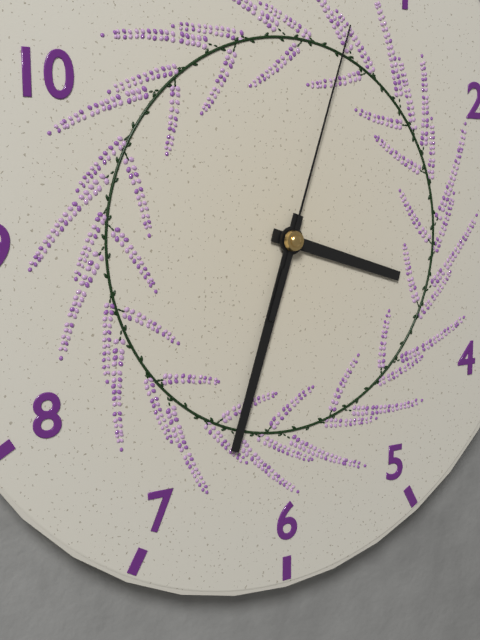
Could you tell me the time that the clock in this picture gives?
3:33:03
